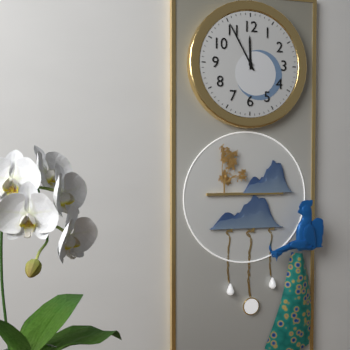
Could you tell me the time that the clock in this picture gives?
11:55
